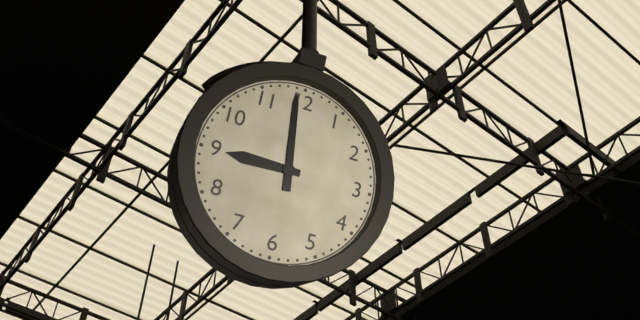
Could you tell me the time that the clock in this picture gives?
8:59
